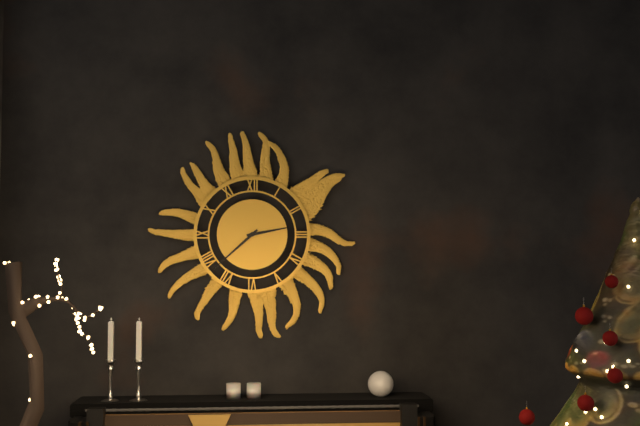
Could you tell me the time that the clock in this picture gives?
2:38
